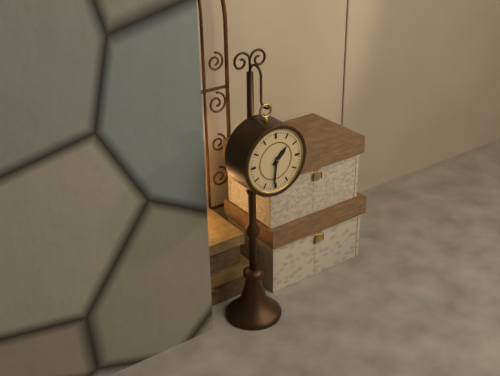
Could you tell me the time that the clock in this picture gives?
1:31
